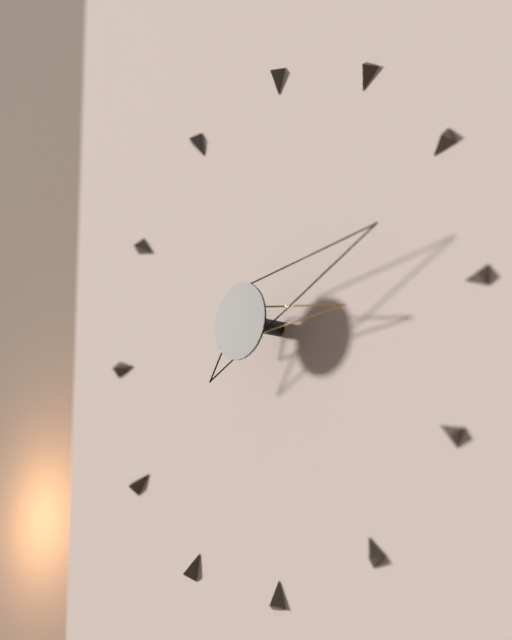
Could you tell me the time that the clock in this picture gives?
3:12
